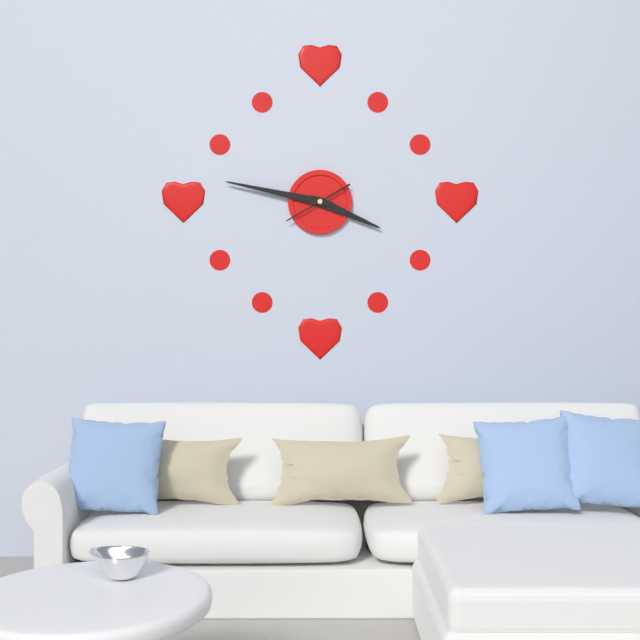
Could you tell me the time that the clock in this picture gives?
3:47
